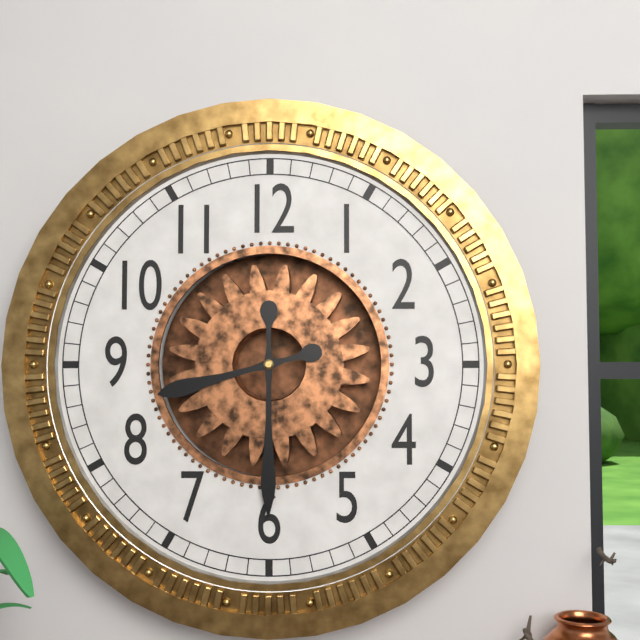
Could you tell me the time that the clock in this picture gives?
8:30
